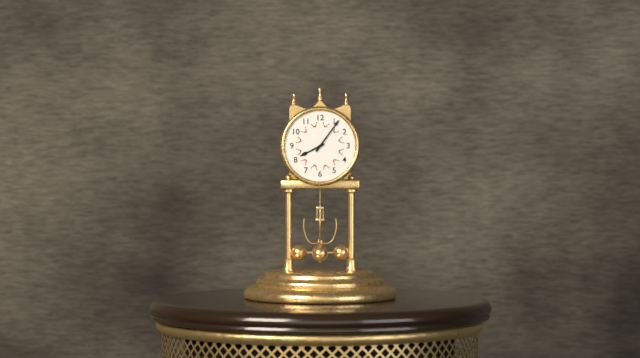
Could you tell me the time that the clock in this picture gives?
8:06
